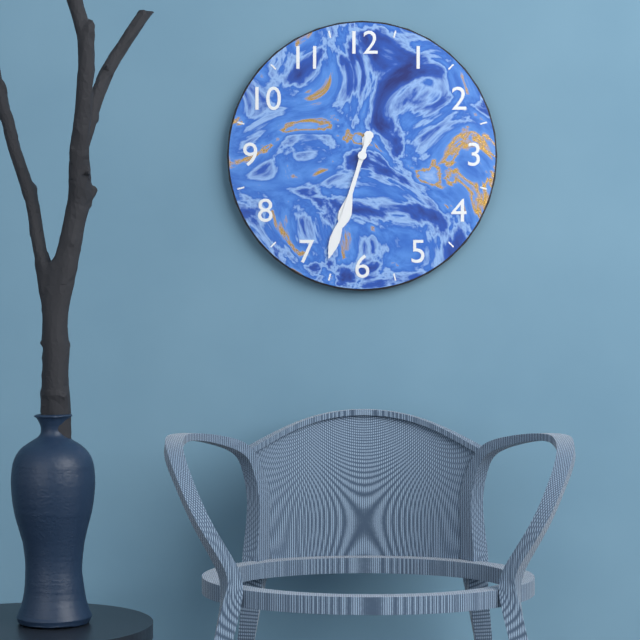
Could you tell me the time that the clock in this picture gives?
6:33
